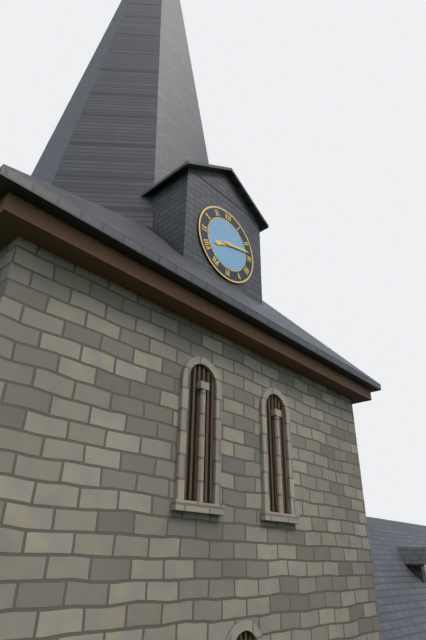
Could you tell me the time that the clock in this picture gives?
8:13
